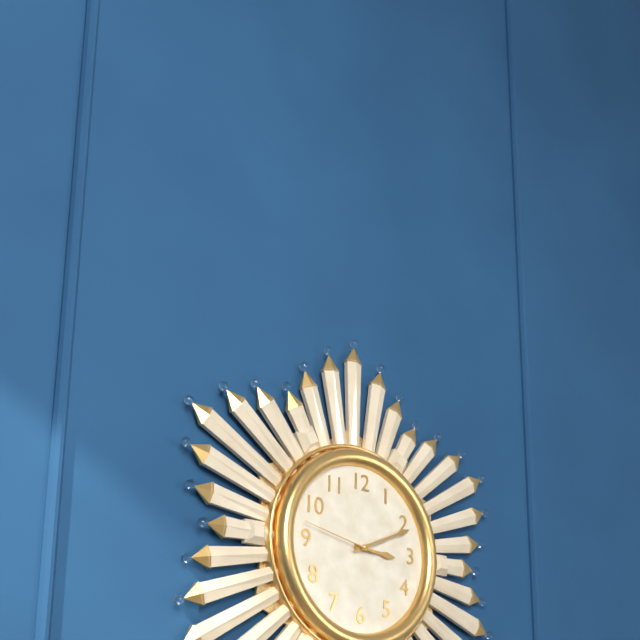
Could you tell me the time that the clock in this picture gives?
3:11:47
